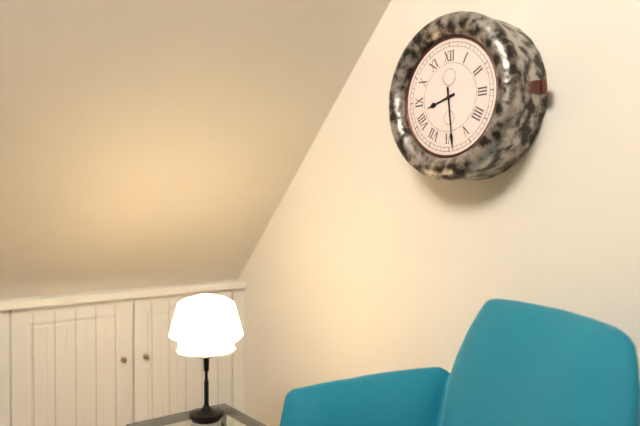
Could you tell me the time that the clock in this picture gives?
8:29
